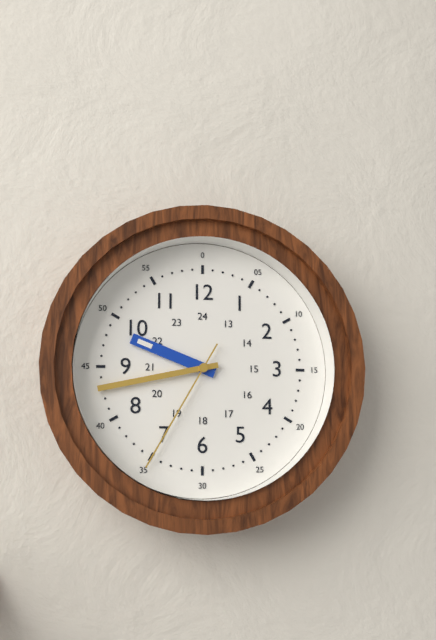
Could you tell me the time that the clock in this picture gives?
9:43:35
